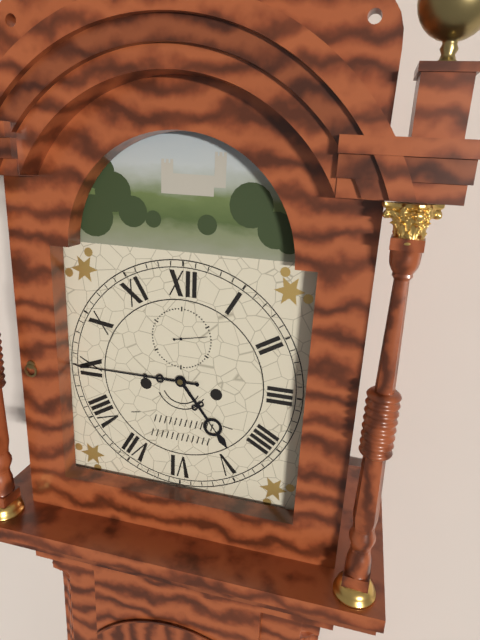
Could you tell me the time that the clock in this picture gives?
4:45
